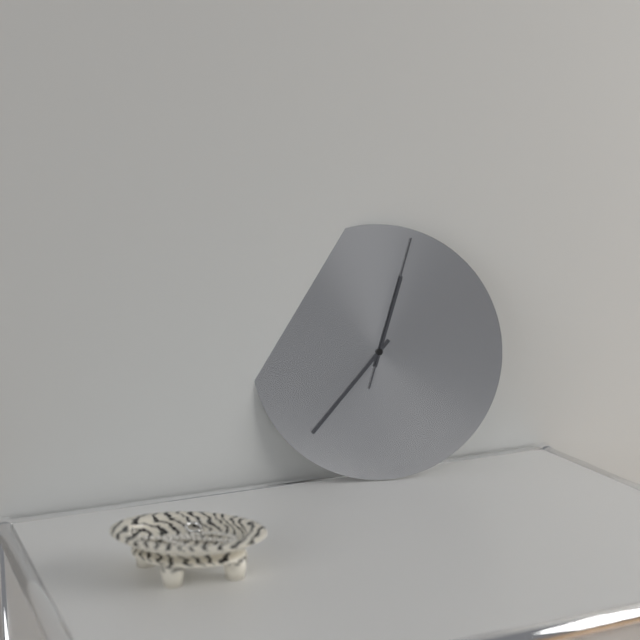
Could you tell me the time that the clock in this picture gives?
12:37:03
